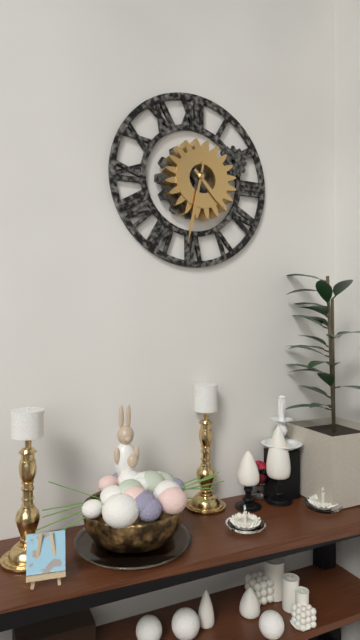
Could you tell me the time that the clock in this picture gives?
4:32
